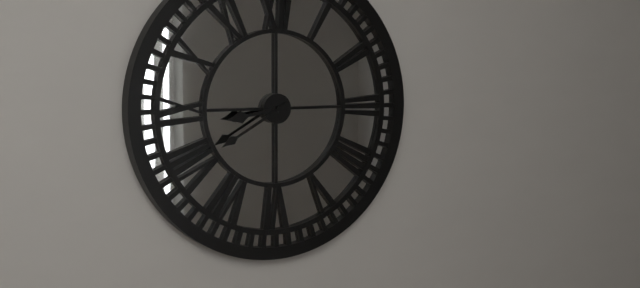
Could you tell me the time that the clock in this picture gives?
8:40
